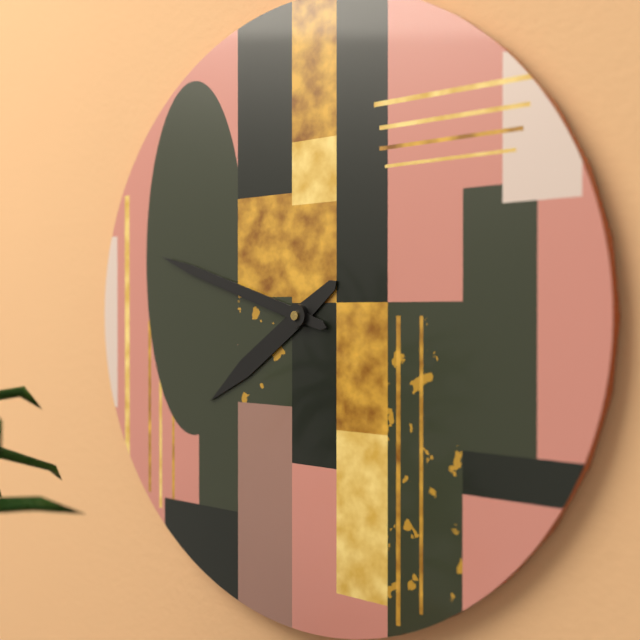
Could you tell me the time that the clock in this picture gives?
7:48
